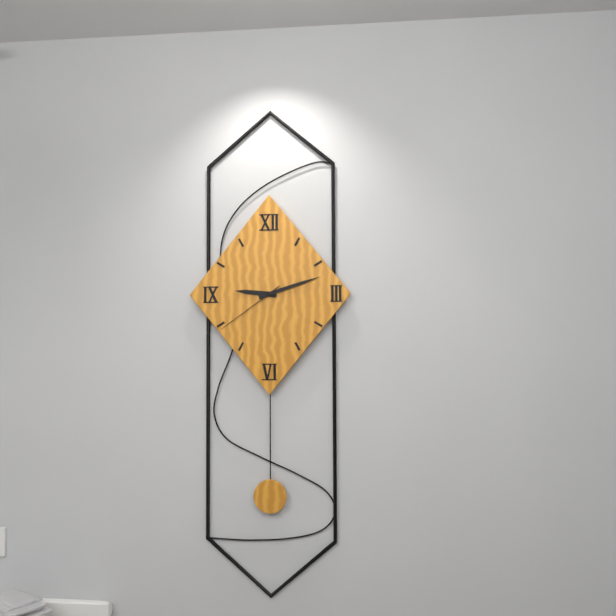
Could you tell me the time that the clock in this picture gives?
9:12:39
